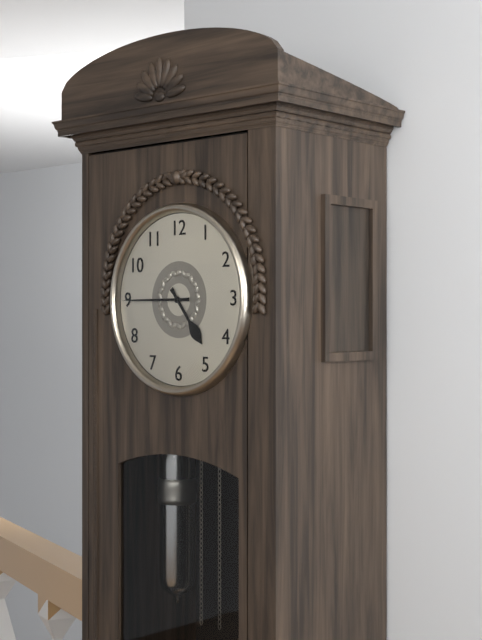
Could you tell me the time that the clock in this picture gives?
4:45
